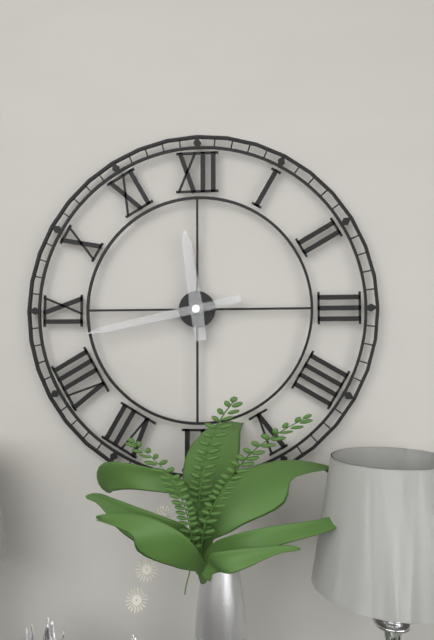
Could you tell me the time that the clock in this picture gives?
11:43
